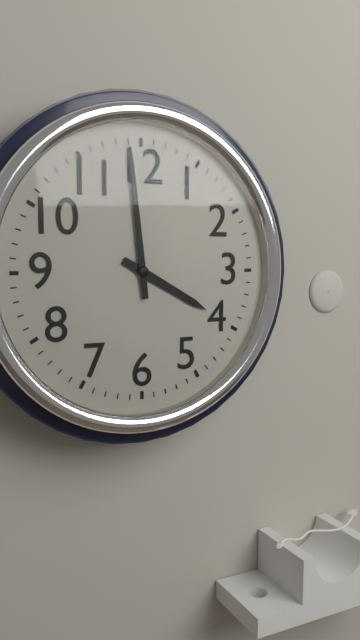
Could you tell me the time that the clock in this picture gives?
3:59
